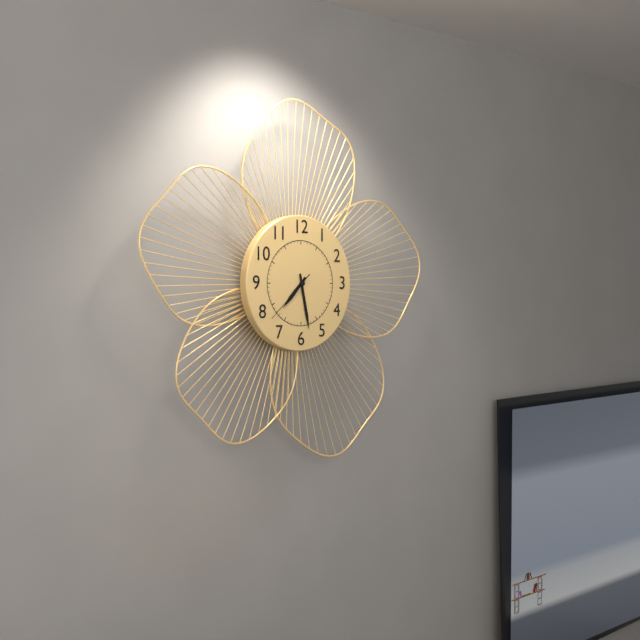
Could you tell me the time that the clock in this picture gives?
7:28:38
